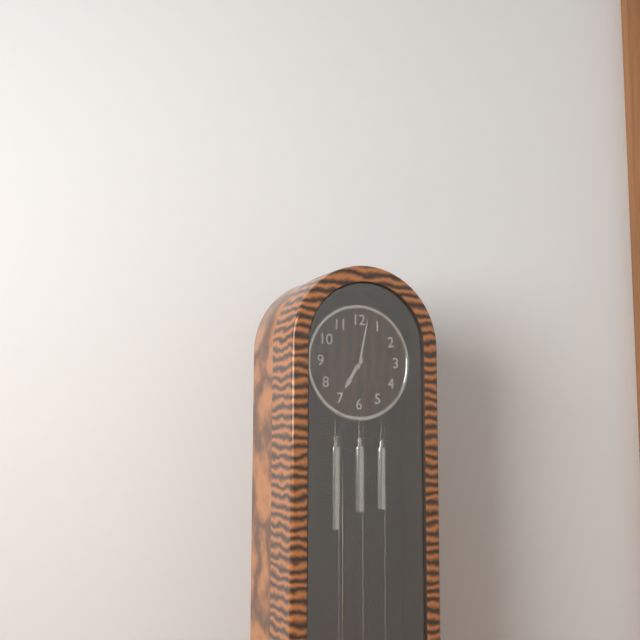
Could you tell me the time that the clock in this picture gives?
7:02
